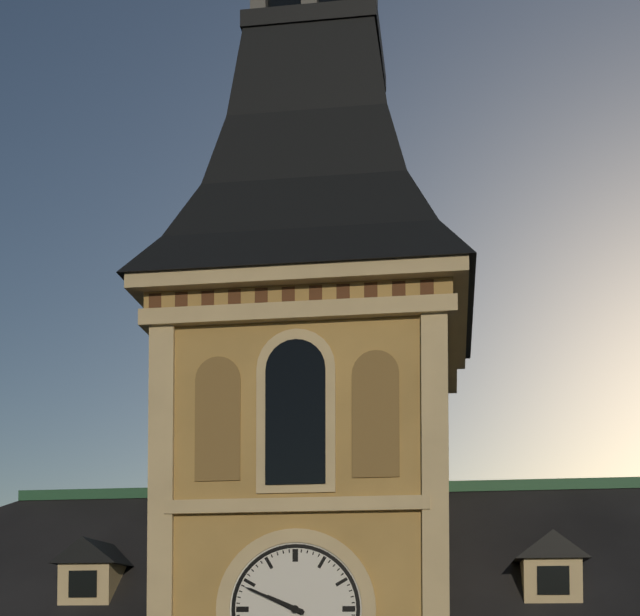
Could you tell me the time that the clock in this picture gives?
9:49
